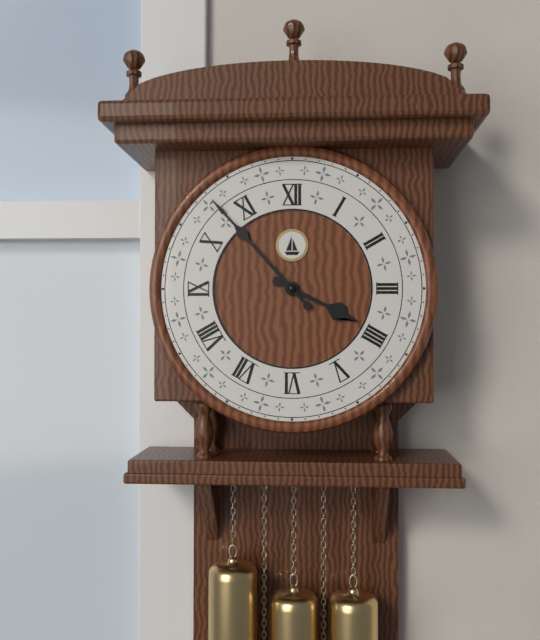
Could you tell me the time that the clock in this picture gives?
3:53
